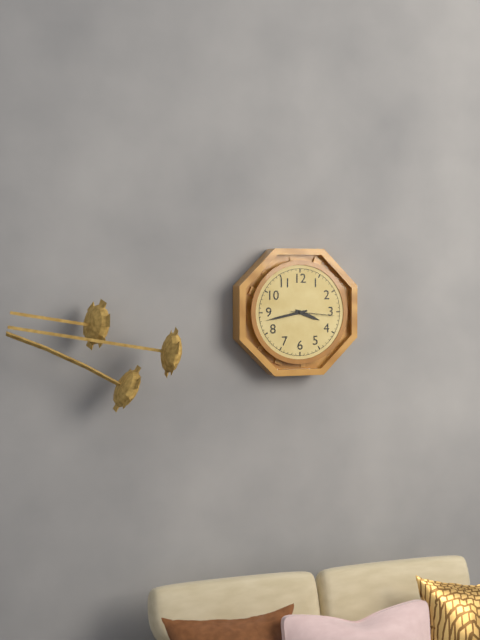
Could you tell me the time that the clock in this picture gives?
3:43
